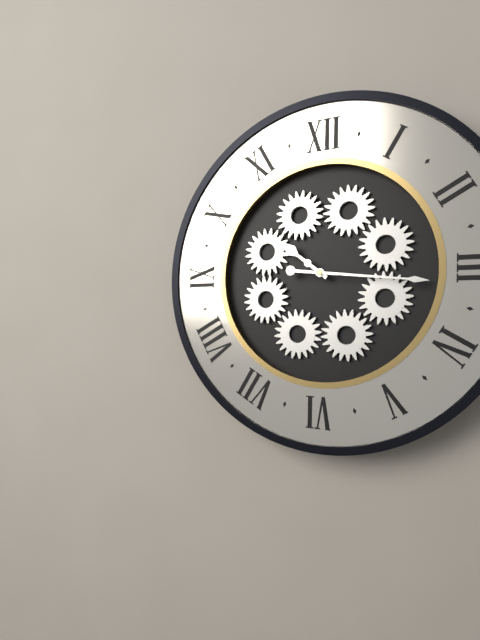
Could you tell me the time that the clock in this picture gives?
10:16
